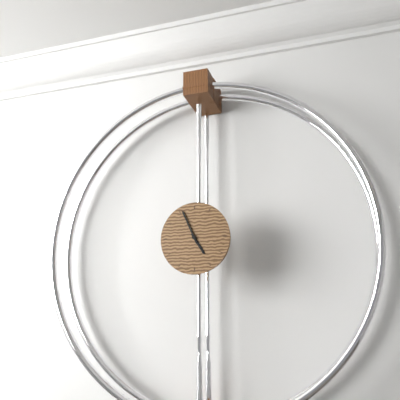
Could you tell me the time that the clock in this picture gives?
4:56
